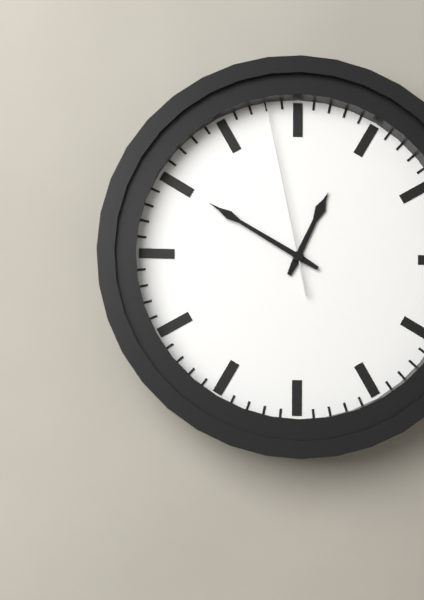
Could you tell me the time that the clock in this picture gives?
12:50:58
